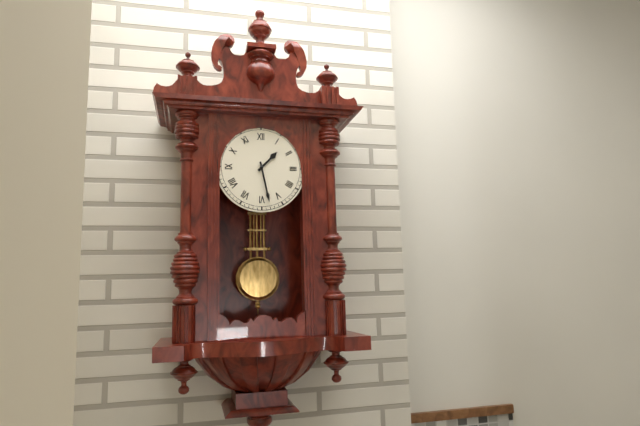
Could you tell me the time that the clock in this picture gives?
1:28
